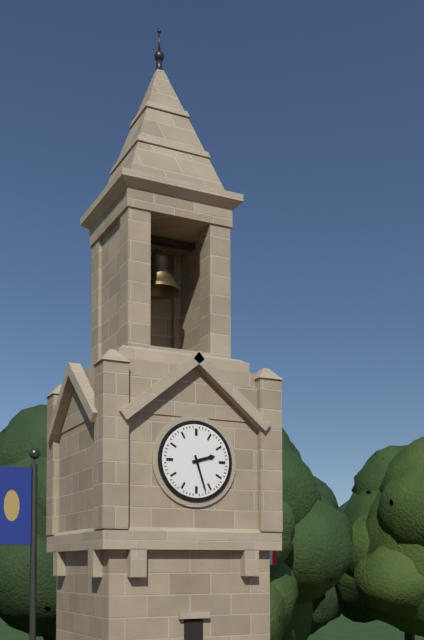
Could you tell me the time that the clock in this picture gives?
2:27
